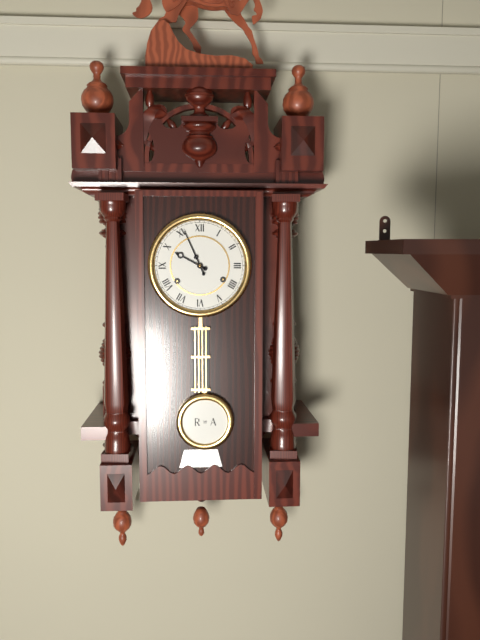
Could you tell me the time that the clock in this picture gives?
9:56
